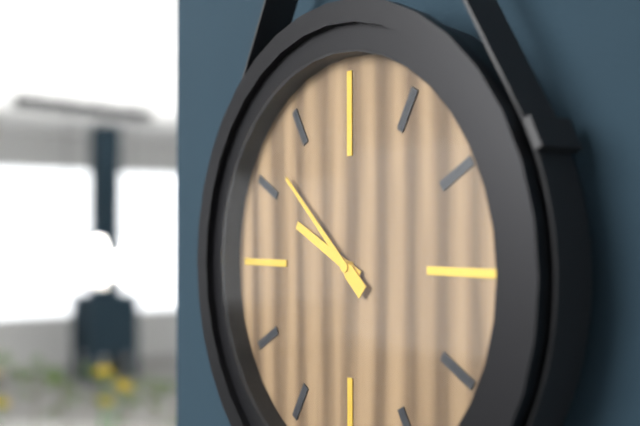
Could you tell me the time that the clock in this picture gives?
9:52
